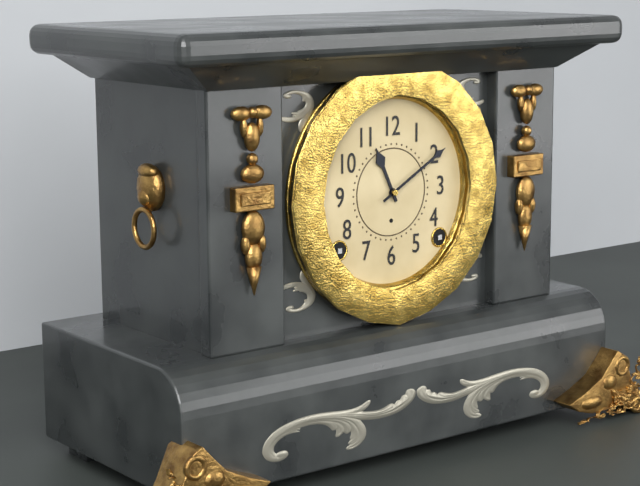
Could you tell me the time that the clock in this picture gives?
11:10
